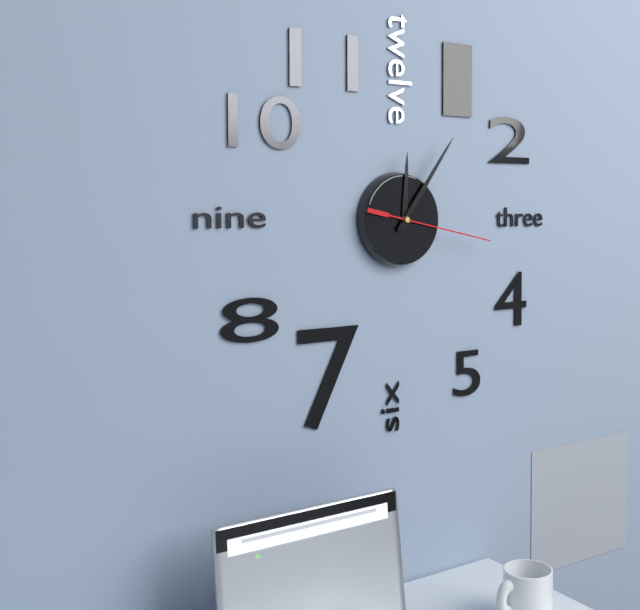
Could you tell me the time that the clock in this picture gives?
12:06:17
